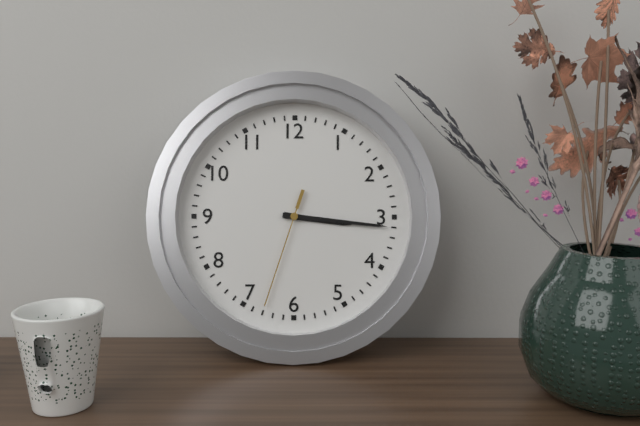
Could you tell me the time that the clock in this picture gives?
3:16:33
